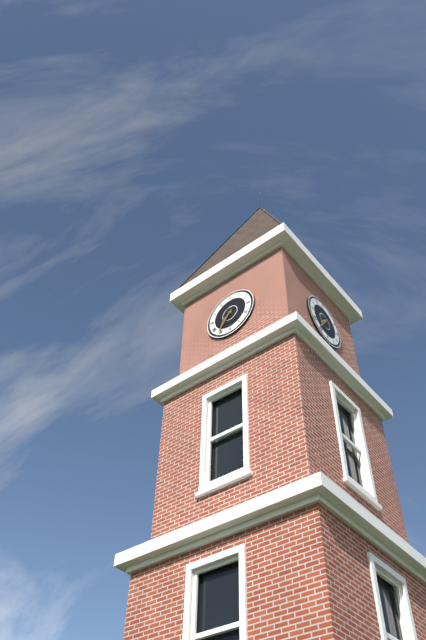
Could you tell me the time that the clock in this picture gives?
7:36
